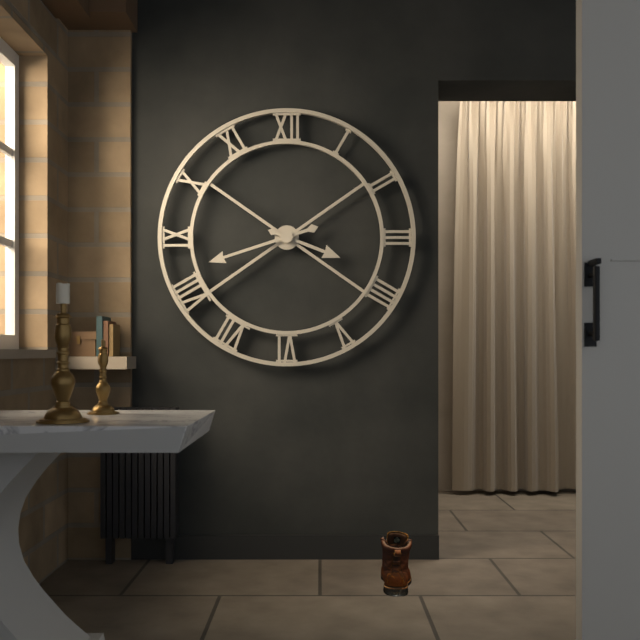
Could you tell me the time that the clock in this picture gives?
3:42
